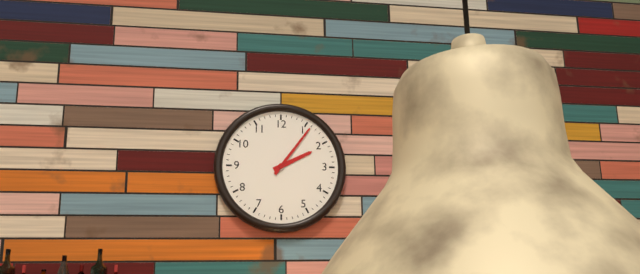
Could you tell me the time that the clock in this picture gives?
2:06
